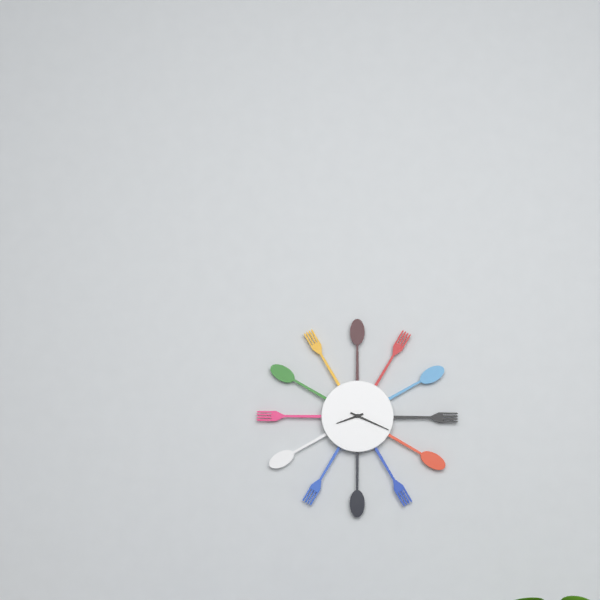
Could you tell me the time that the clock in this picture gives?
8:19
